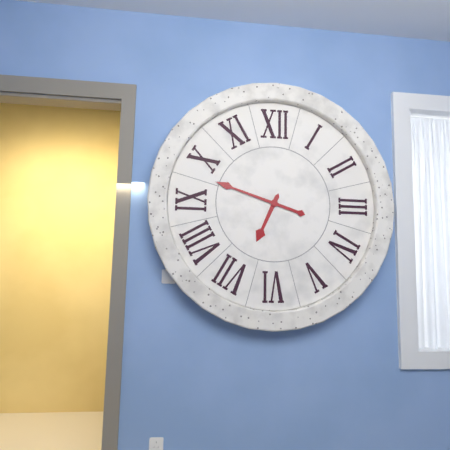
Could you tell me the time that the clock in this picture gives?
6:48
